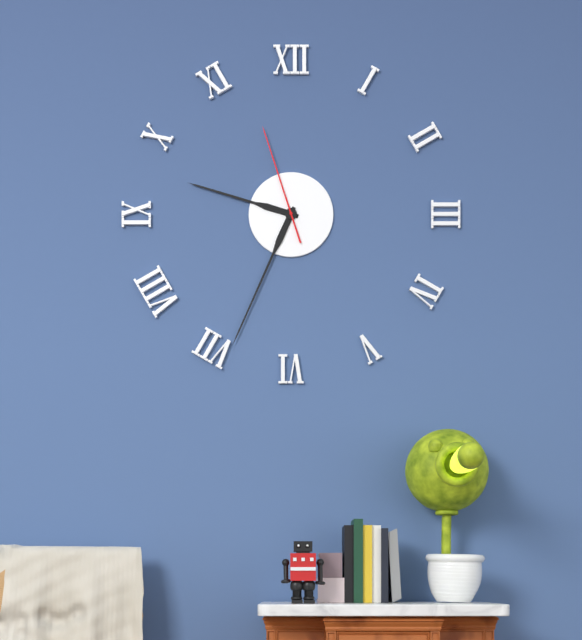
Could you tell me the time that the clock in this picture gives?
9:34:57
